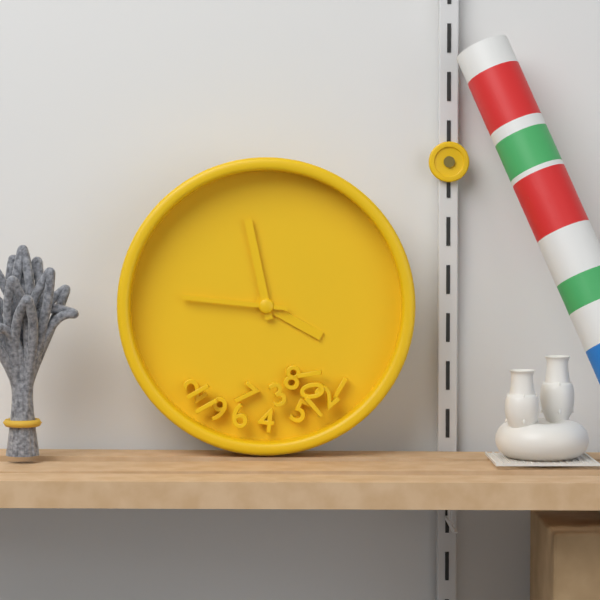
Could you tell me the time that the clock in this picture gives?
3:58:46
